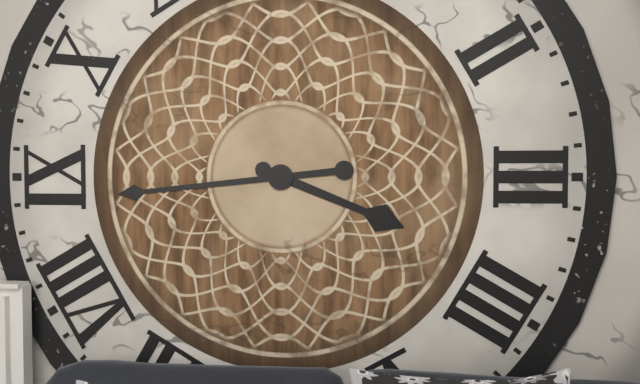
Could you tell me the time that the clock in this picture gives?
3:44
